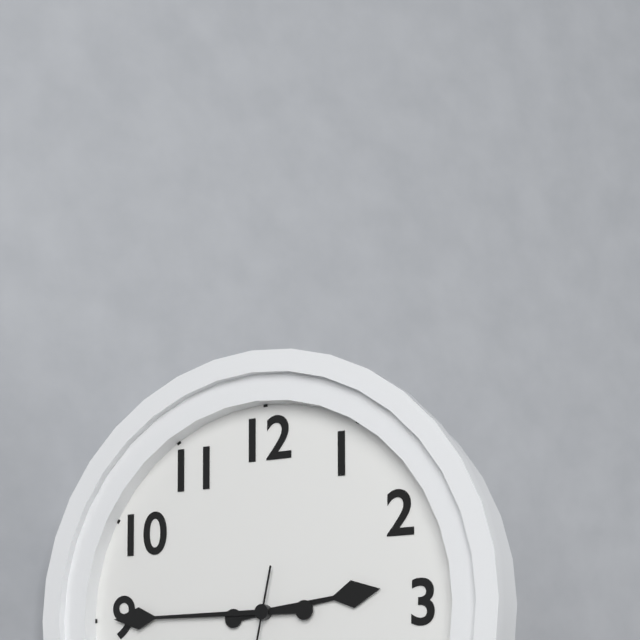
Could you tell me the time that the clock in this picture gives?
2:45
